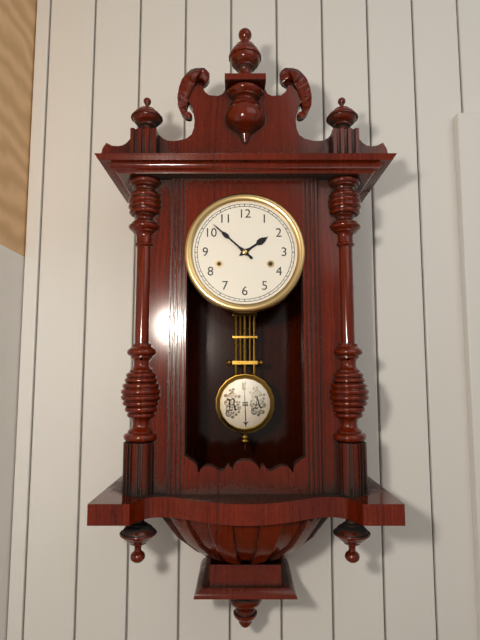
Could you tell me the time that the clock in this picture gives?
1:52
